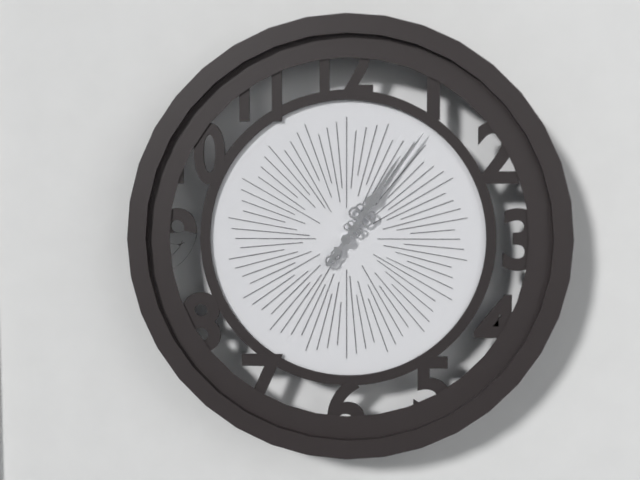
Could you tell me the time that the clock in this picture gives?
1:06
